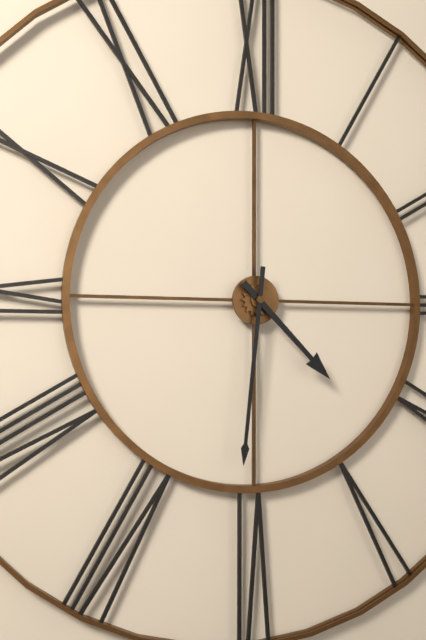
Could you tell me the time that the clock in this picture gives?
4:31
